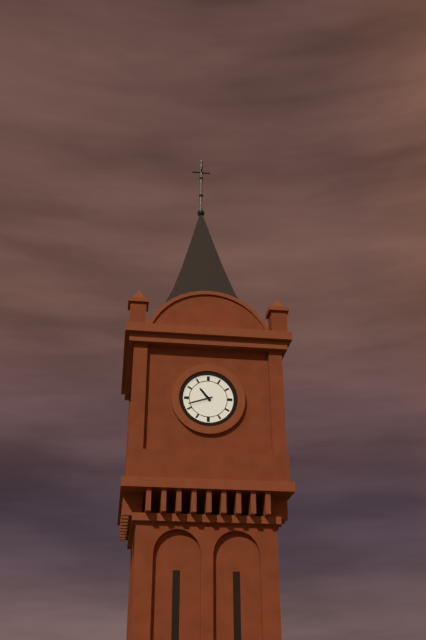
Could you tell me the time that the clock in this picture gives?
10:42
